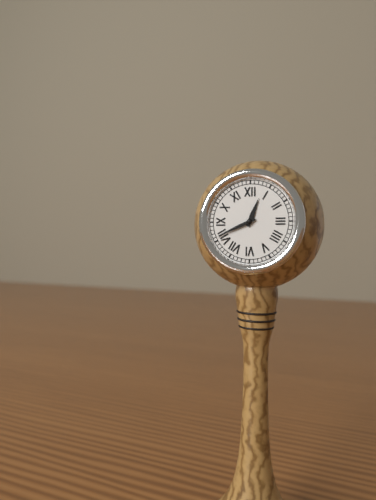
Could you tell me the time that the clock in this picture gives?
12:41
